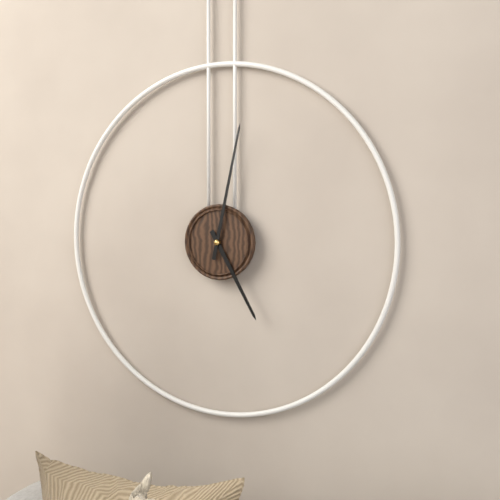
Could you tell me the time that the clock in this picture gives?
5:02
